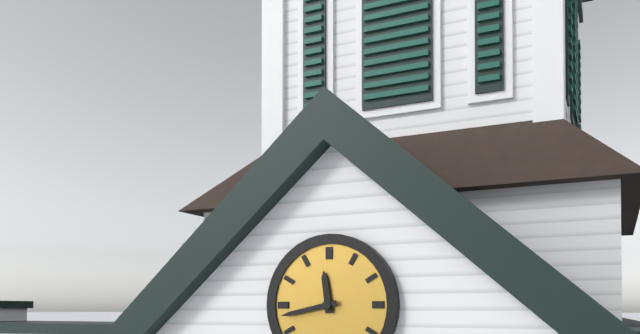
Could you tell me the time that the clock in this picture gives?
11:43
